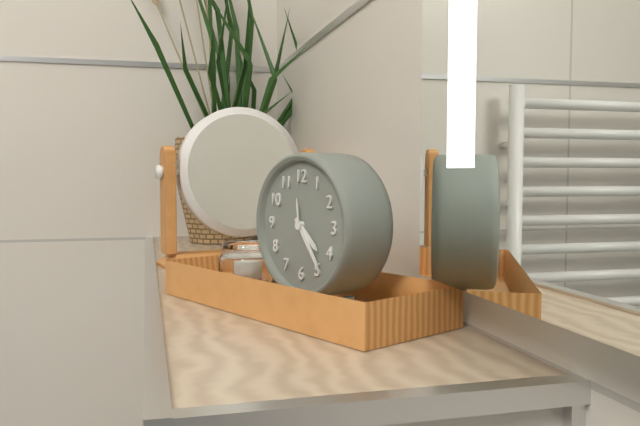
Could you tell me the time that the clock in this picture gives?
4:24
